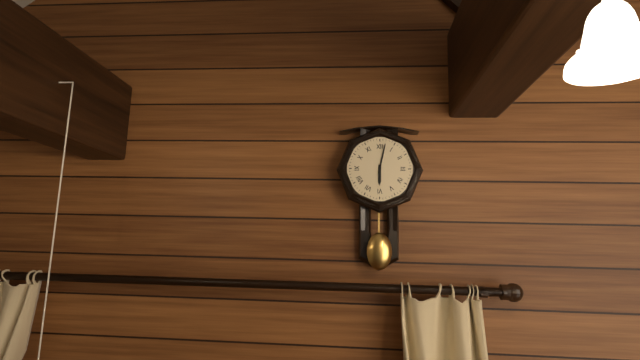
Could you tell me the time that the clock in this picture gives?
6:02
